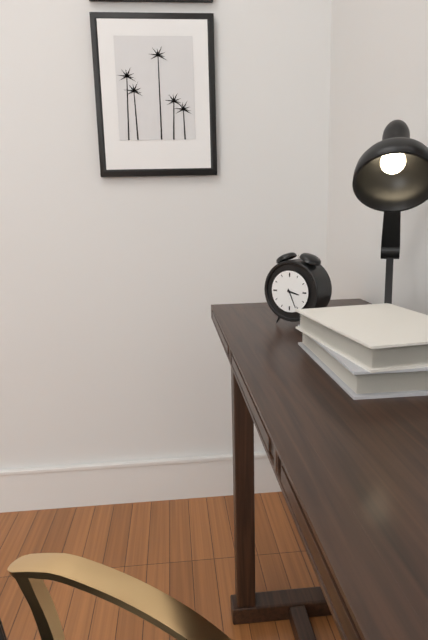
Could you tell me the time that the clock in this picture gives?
3:26
